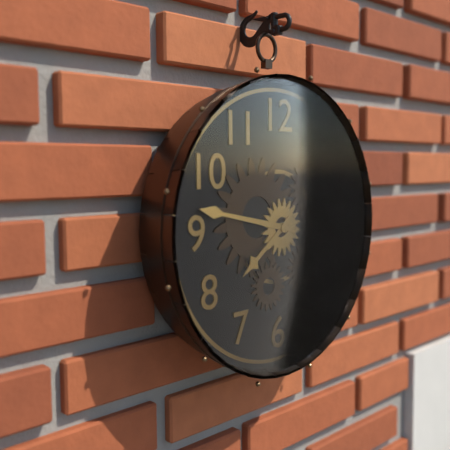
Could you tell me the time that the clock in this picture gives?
7:47
